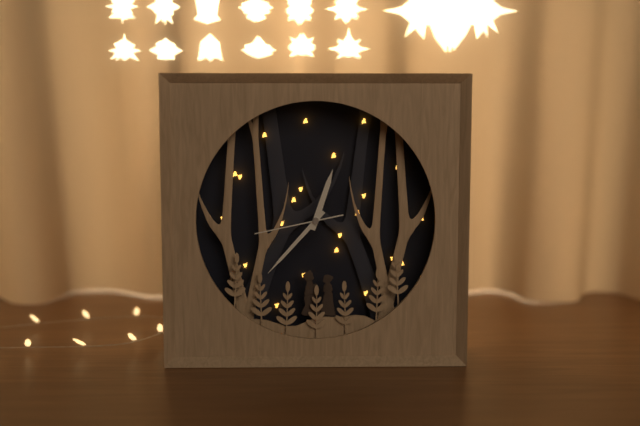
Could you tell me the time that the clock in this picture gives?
12:37:43
